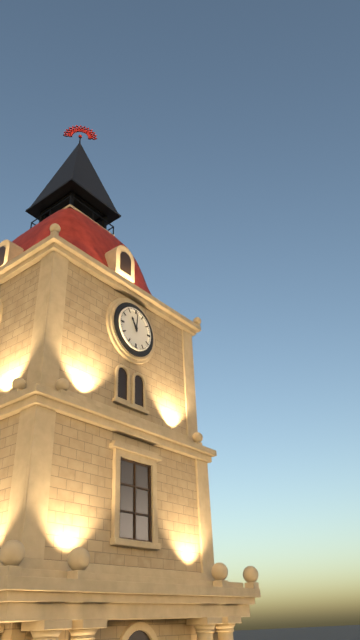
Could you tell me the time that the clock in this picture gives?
11:01
